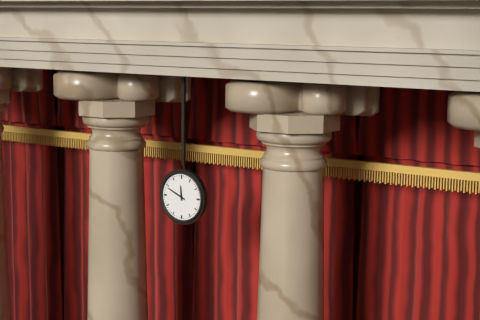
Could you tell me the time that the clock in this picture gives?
11:49
